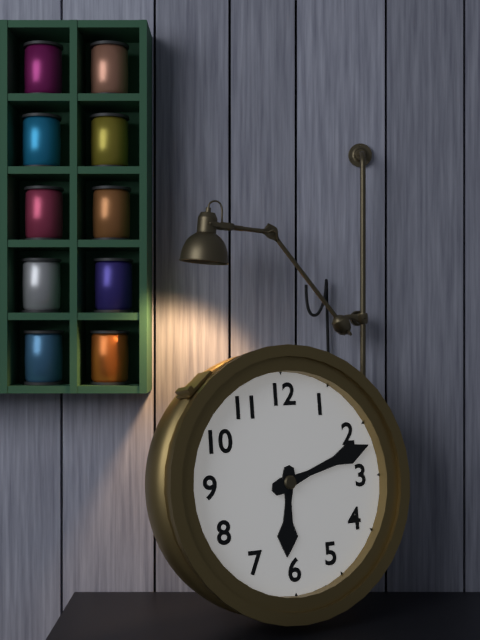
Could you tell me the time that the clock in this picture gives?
6:12
